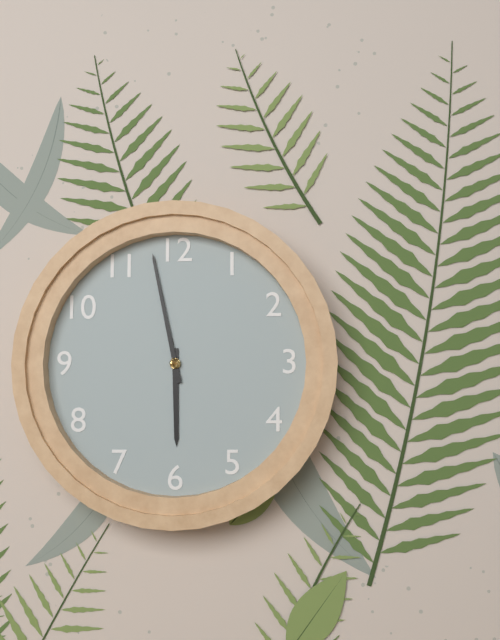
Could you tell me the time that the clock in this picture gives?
5:58
